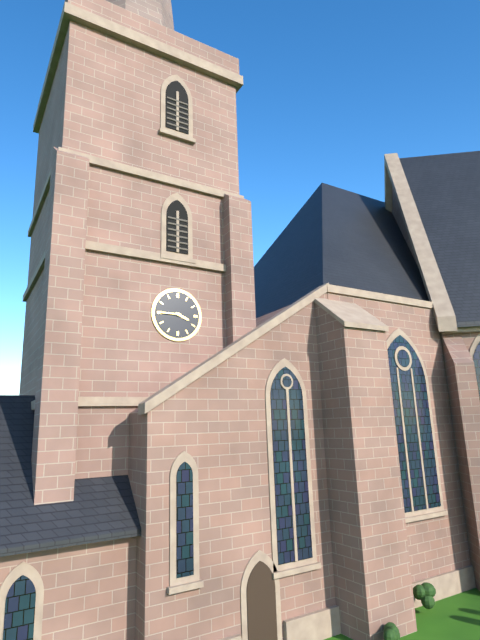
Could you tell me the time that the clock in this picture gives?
3:45
